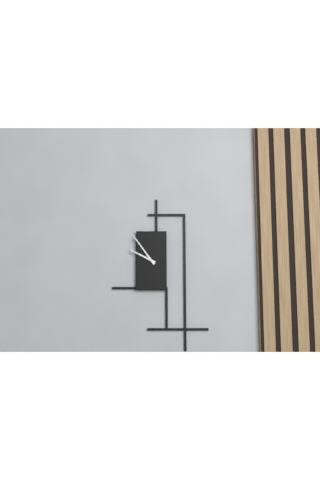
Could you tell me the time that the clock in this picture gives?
9:54
